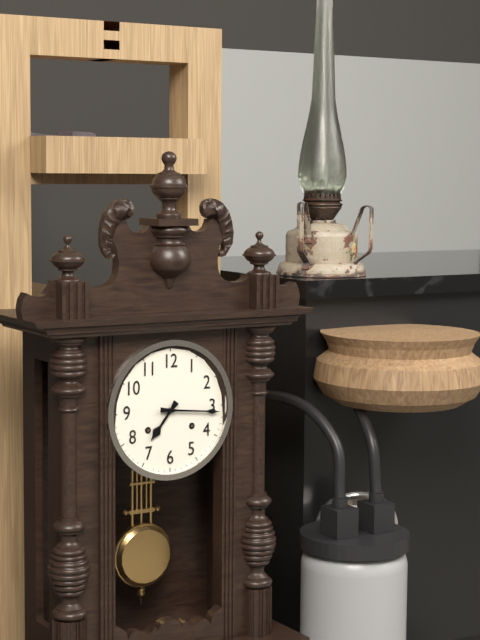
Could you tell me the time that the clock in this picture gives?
7:16
